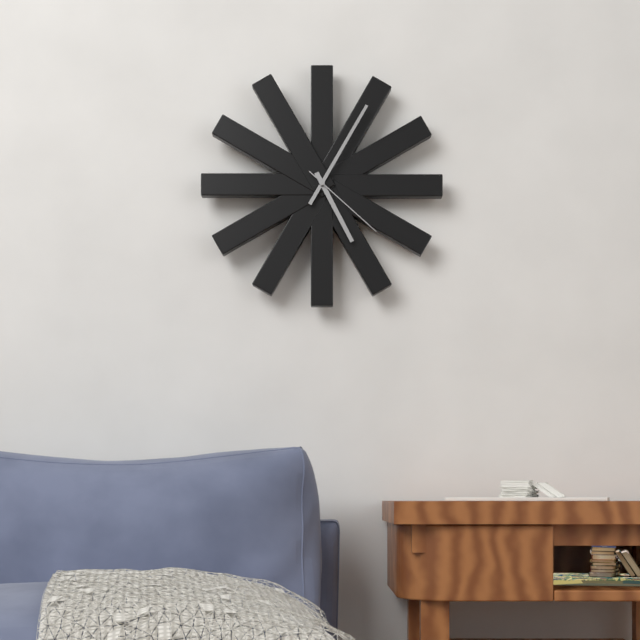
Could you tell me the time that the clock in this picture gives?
5:05:22
